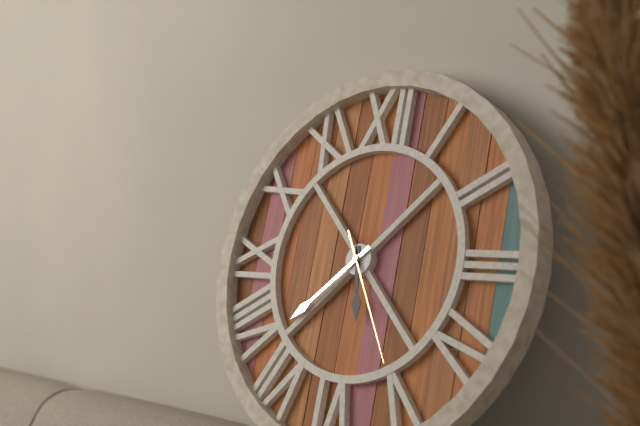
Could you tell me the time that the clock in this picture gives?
5:38:25
